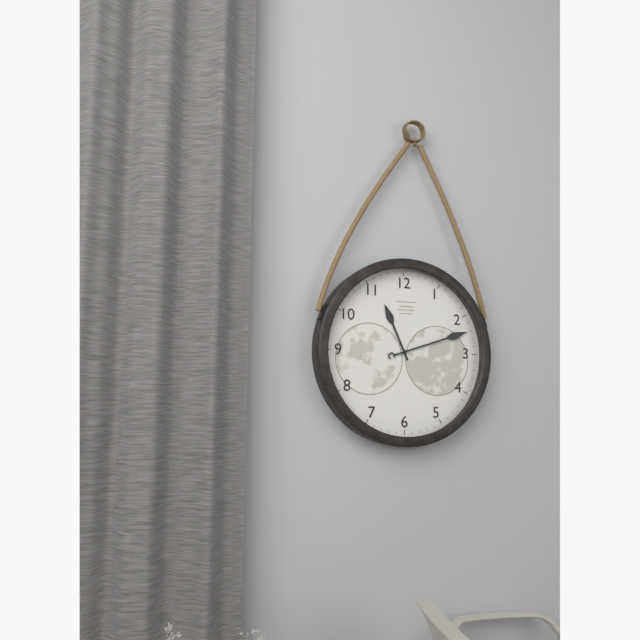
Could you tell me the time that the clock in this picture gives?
11:12
